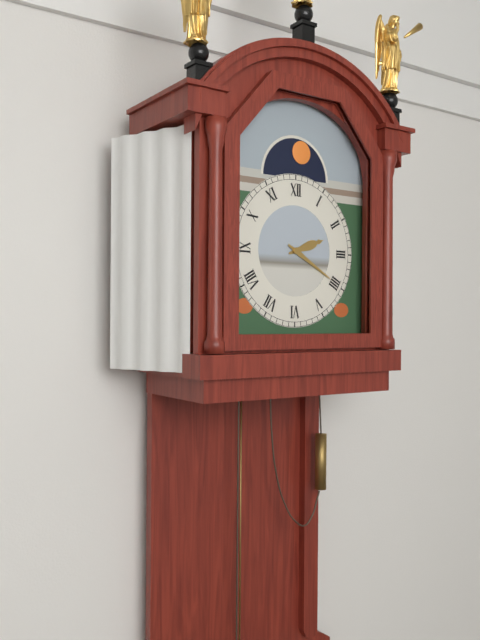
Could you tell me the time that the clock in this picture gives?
2:20
